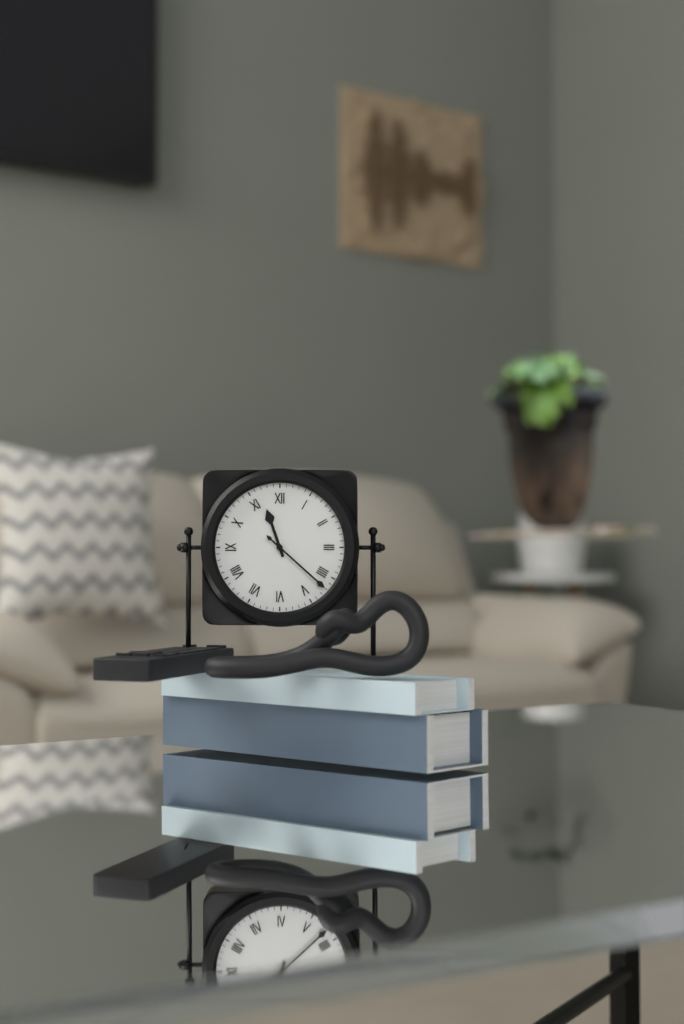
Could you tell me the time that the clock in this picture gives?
11:22
